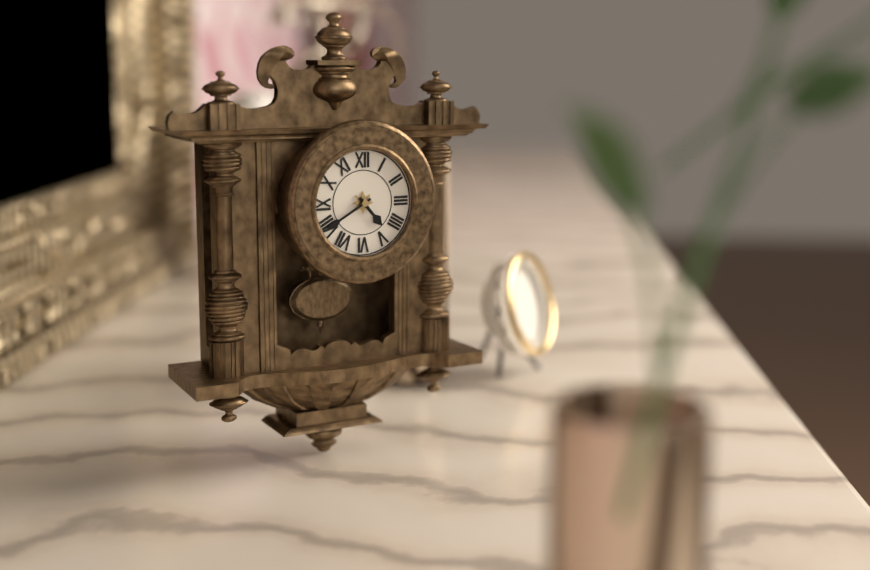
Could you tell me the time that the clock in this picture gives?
4:40
